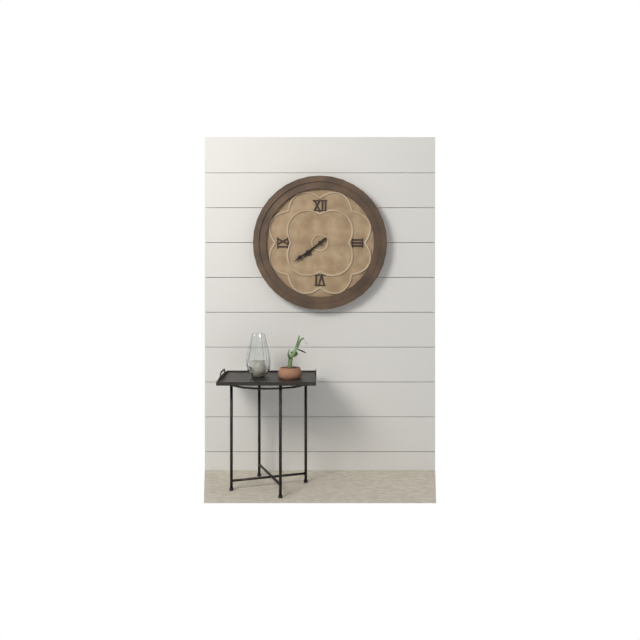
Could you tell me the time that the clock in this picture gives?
7:39
